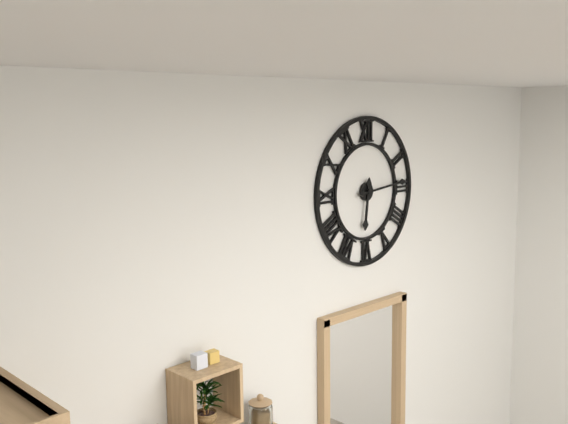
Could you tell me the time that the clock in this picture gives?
6:14
